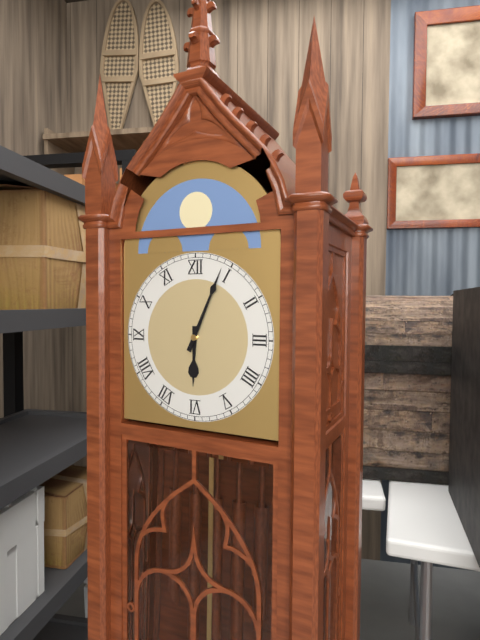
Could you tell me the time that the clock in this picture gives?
6:04
